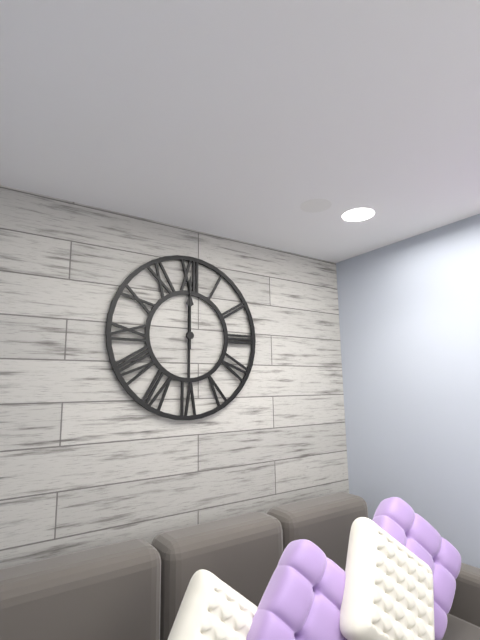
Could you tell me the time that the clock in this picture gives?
12:00
